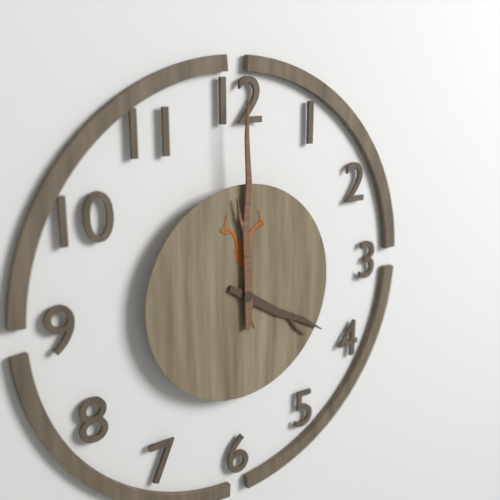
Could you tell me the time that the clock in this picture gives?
4:00
